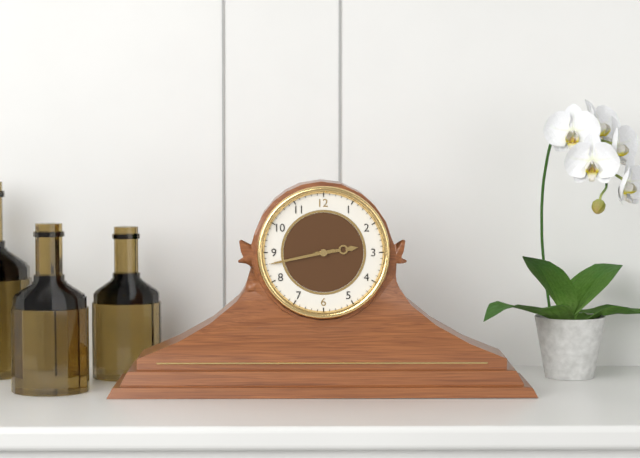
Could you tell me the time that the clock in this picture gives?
2:43
